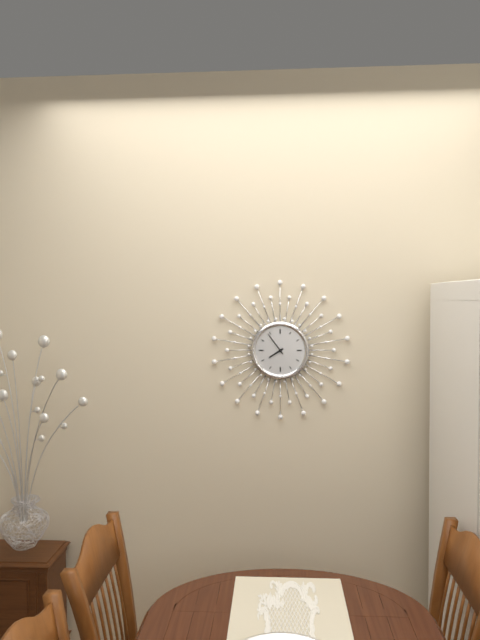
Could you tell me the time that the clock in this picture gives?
7:54
